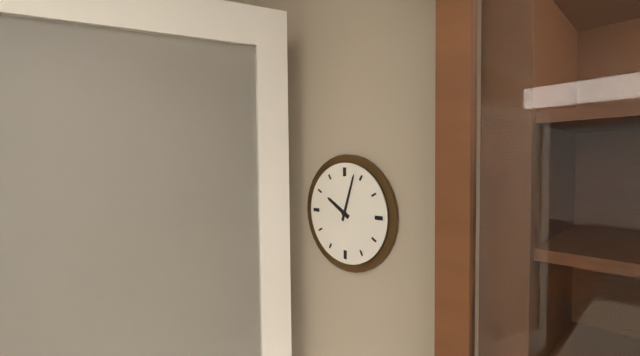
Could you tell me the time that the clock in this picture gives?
10:03
